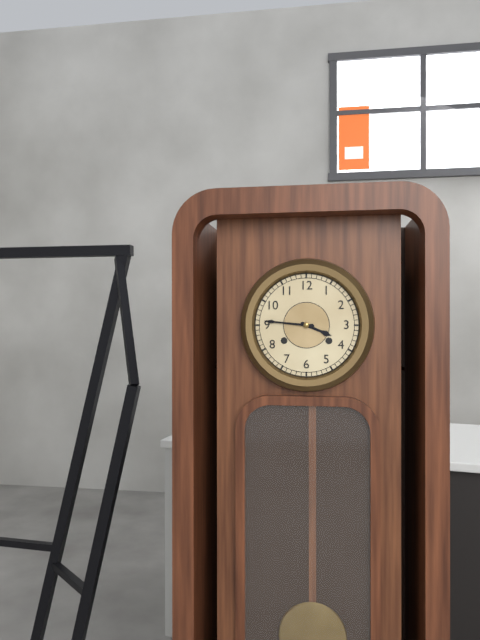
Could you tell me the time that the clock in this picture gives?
3:46
